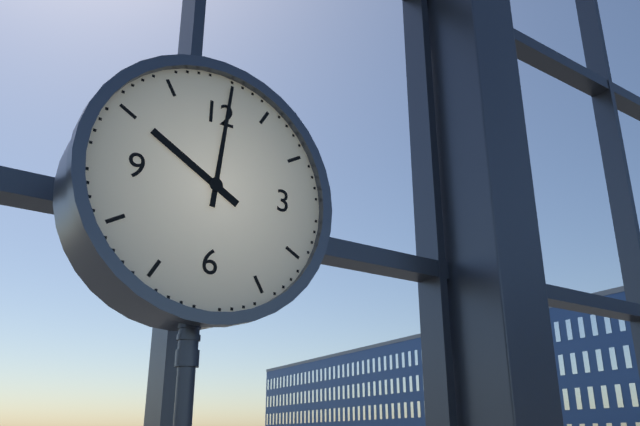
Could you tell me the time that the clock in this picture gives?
10:01
